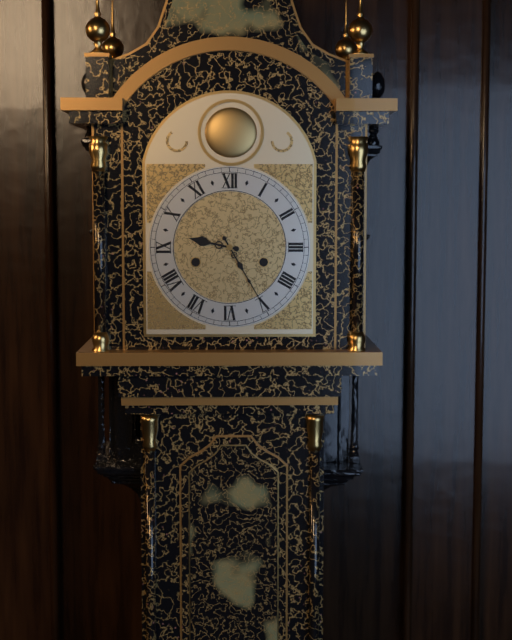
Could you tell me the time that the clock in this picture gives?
9:25
